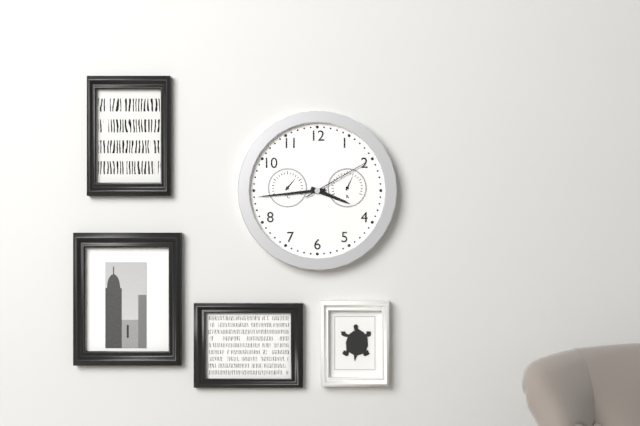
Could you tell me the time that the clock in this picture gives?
3:44:10
